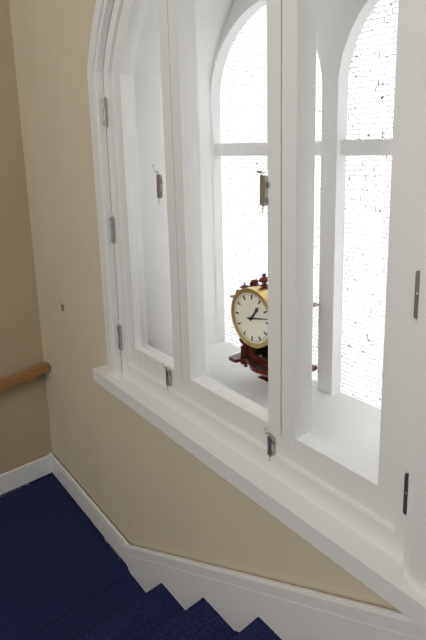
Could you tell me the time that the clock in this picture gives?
1:13
